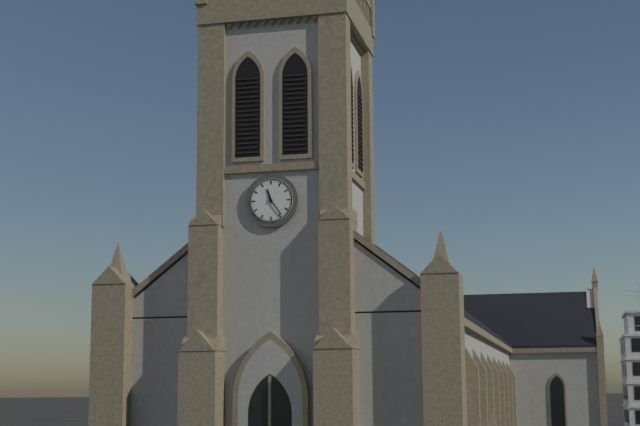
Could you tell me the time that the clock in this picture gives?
11:24
